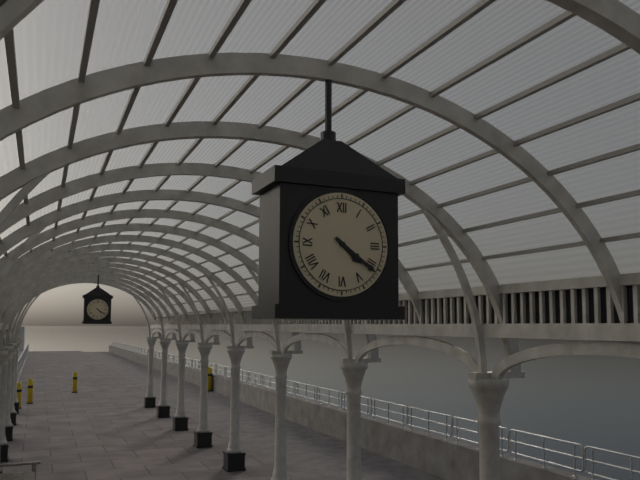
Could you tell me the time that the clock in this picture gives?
4:21
